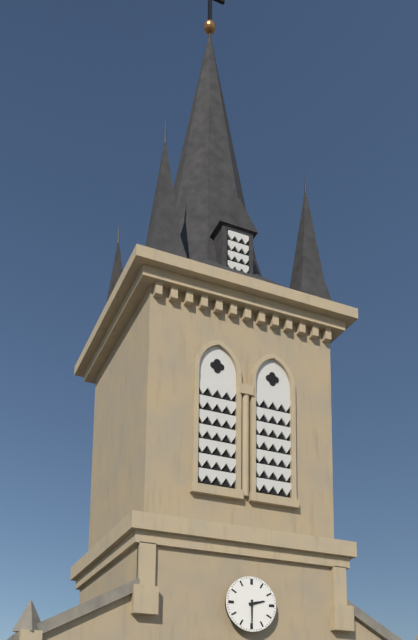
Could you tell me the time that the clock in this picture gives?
2:30
